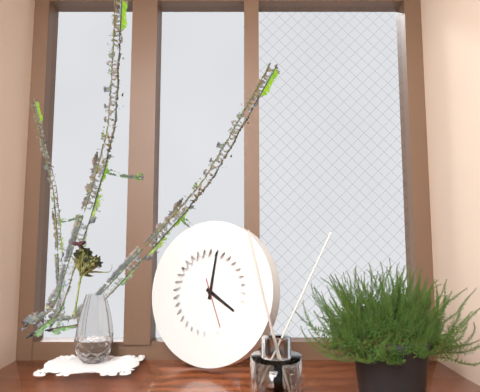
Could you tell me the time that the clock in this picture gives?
4:01
